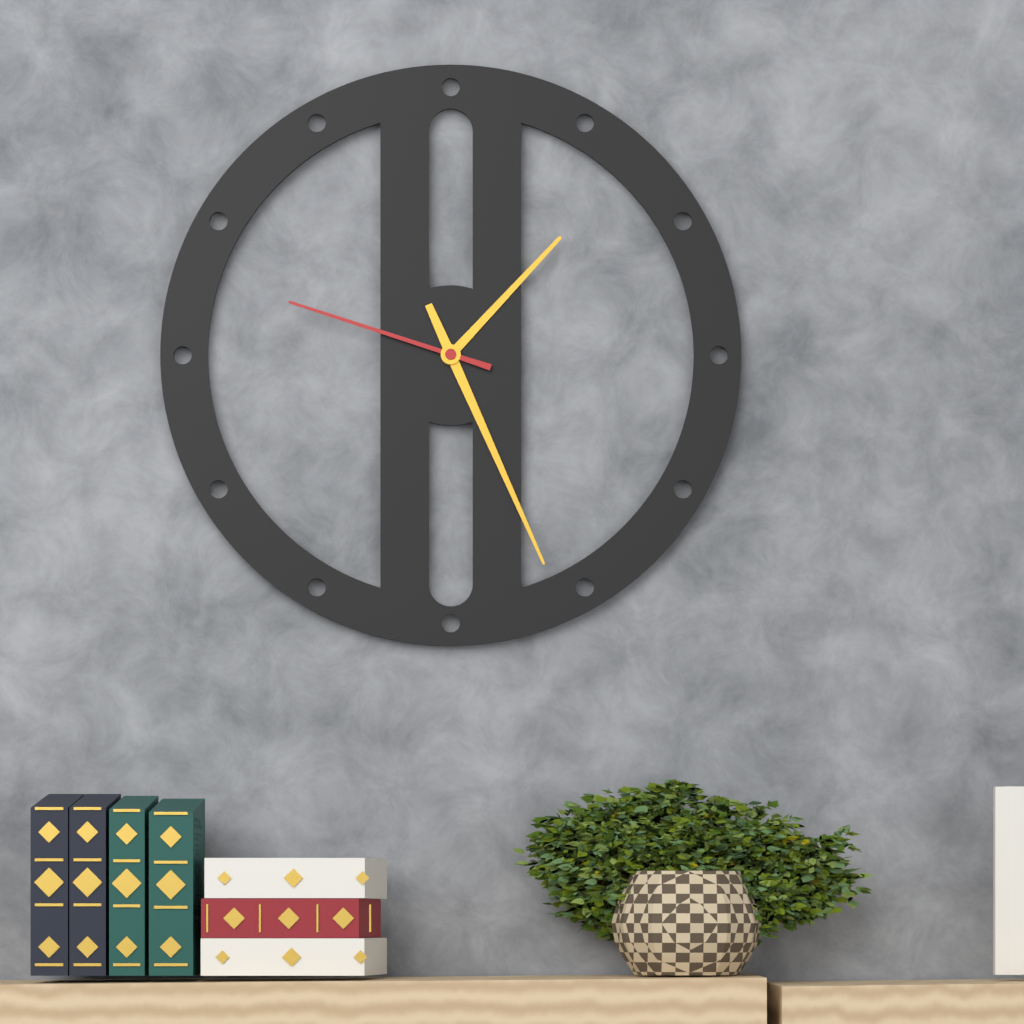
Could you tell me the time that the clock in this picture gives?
1:26:48
